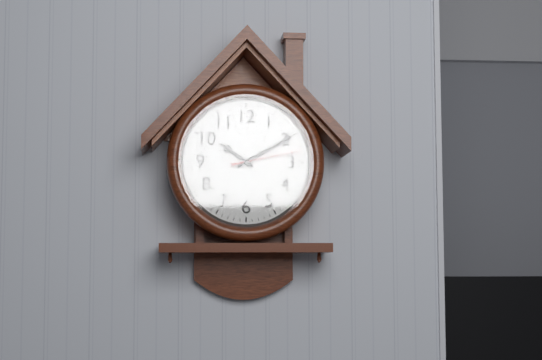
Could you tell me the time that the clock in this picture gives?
10:10:13
